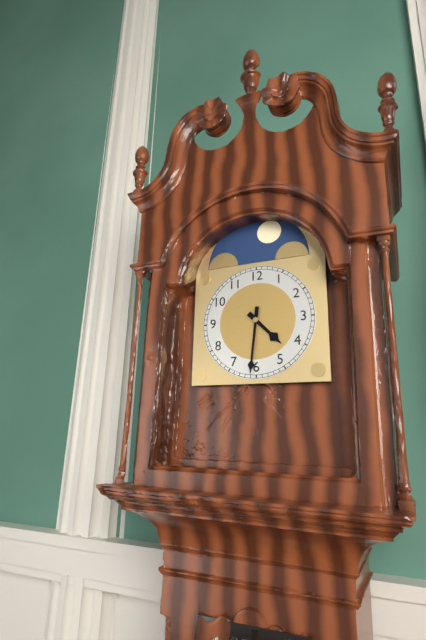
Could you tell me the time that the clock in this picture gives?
4:31
